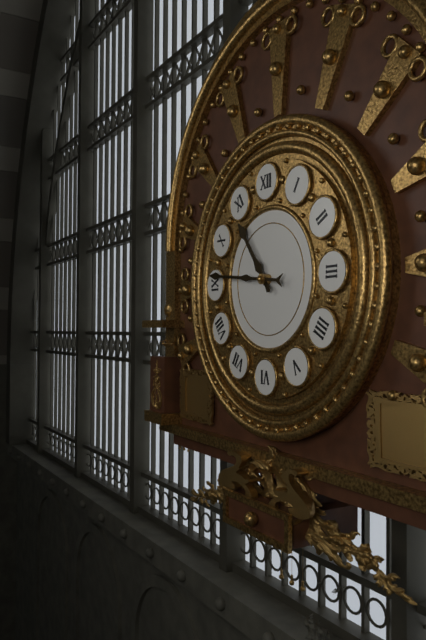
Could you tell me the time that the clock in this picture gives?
10:46
